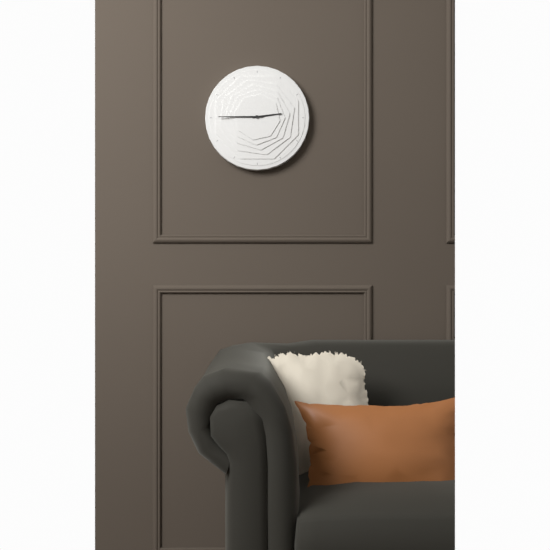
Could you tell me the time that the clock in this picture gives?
2:45
